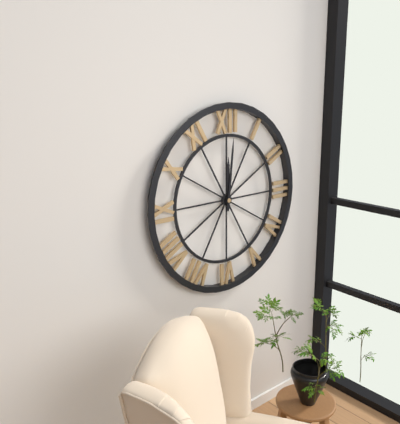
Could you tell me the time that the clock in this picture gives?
12:01
